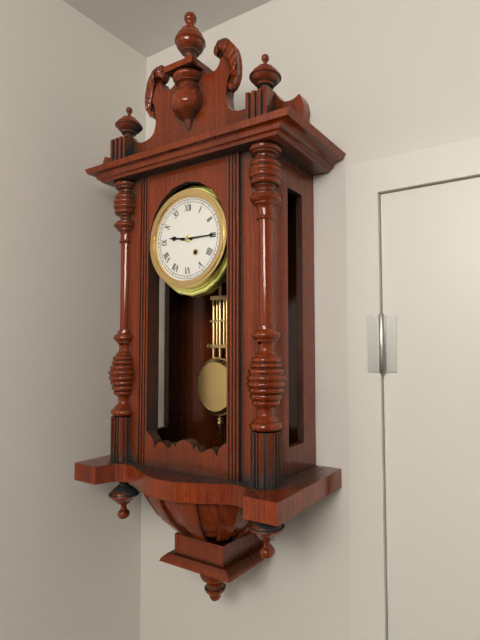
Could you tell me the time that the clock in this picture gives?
9:15
